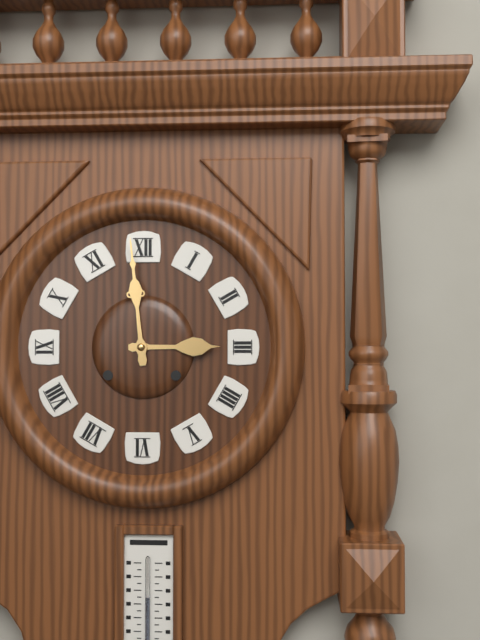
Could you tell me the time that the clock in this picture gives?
2:59
